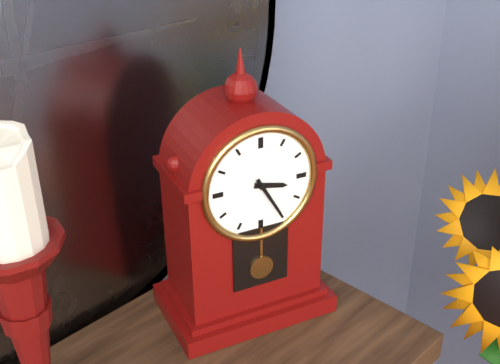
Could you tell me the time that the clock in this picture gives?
3:25
